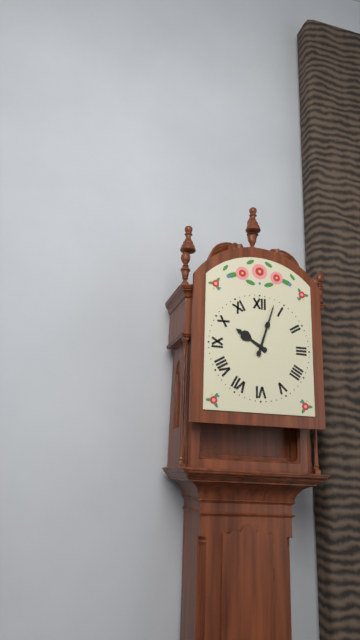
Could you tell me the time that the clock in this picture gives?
10:03
